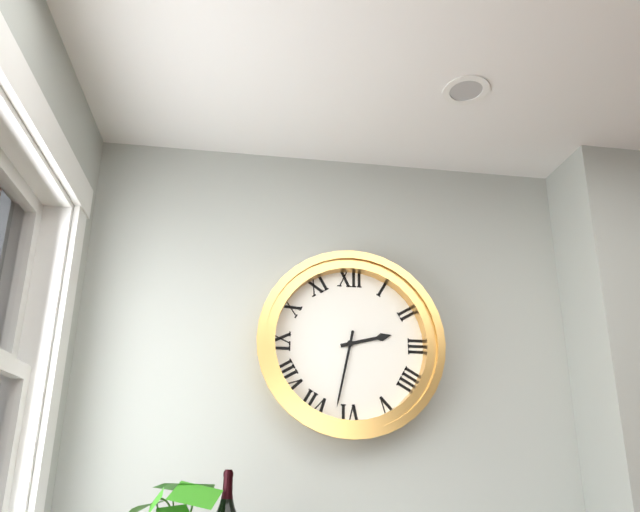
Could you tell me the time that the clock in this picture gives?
2:32
